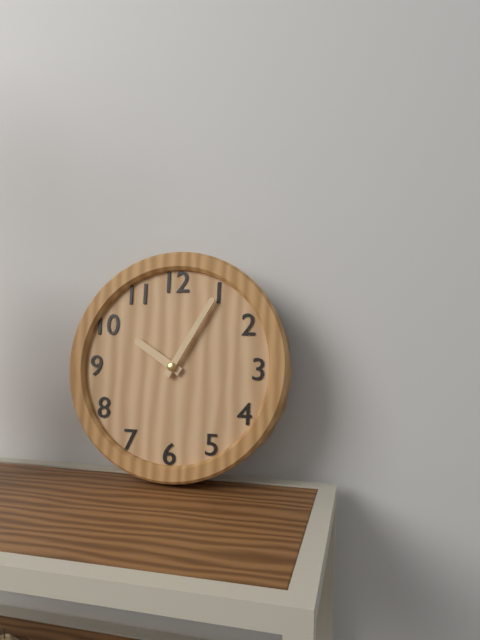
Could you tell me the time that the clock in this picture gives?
10:05
